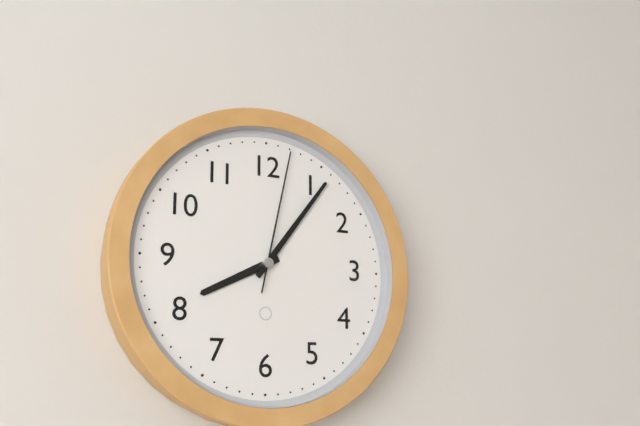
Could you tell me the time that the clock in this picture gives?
8:06:02
